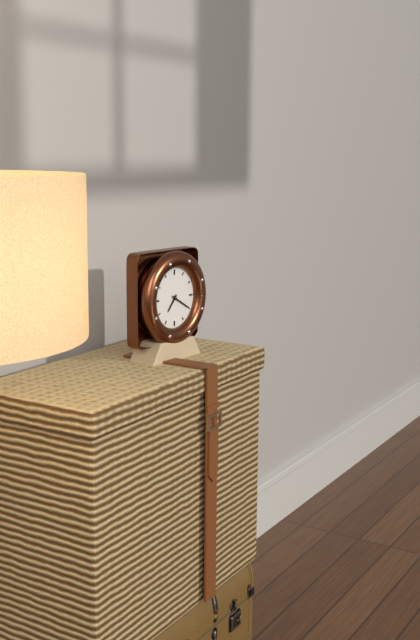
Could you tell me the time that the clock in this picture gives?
7:20
